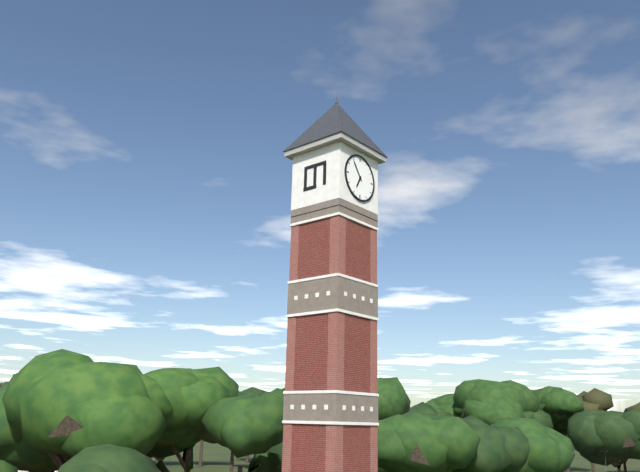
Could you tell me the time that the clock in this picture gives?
6:54
